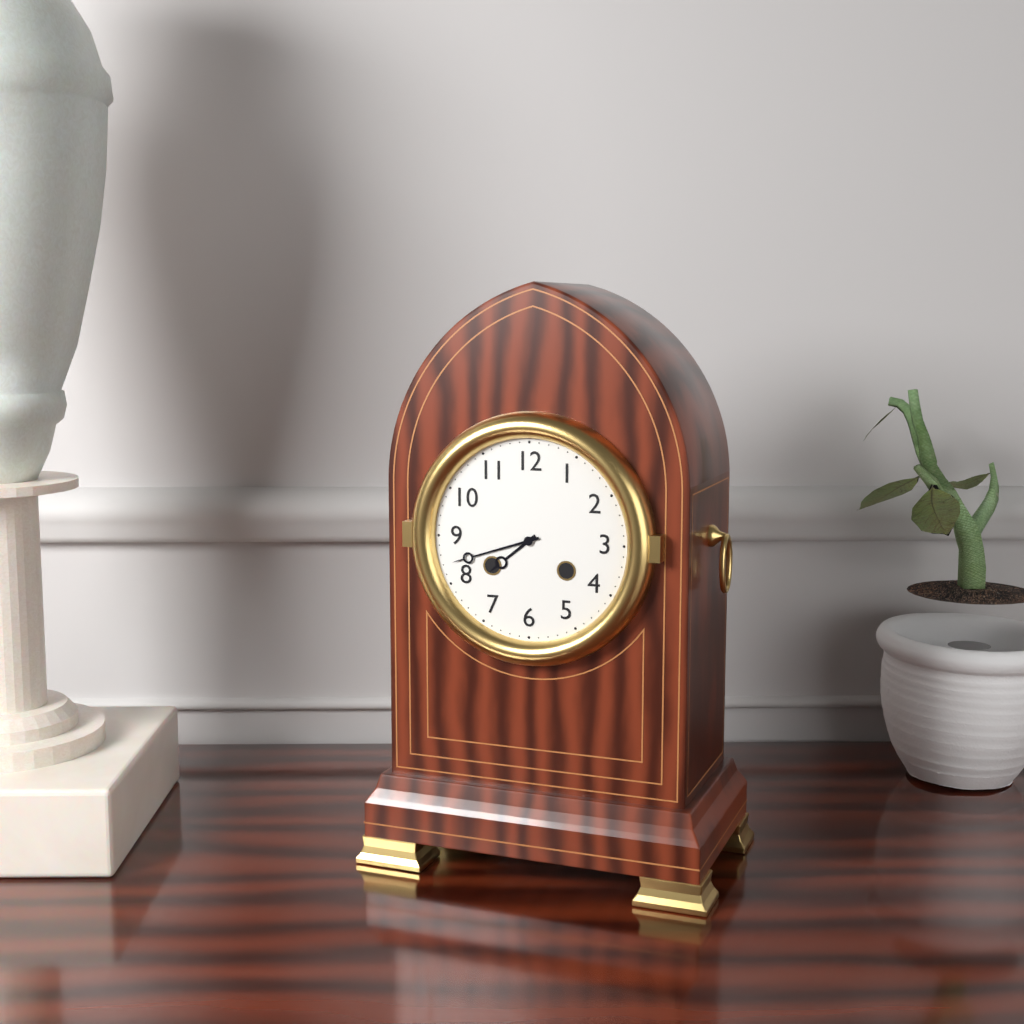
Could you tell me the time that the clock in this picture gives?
7:42
